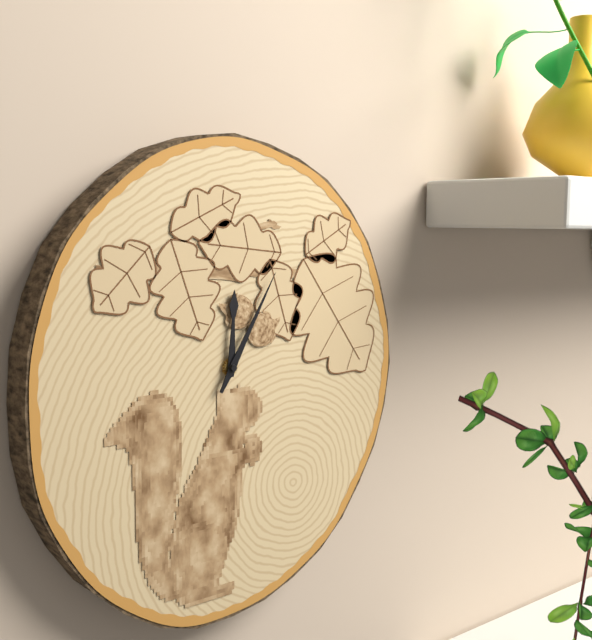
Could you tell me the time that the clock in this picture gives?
12:05
